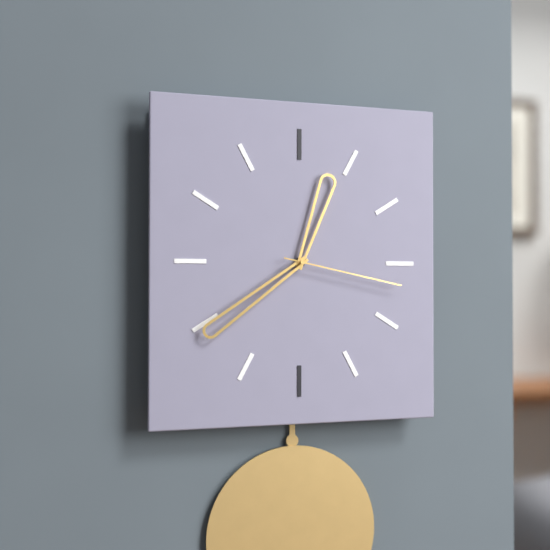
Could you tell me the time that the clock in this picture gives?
12:39:17
